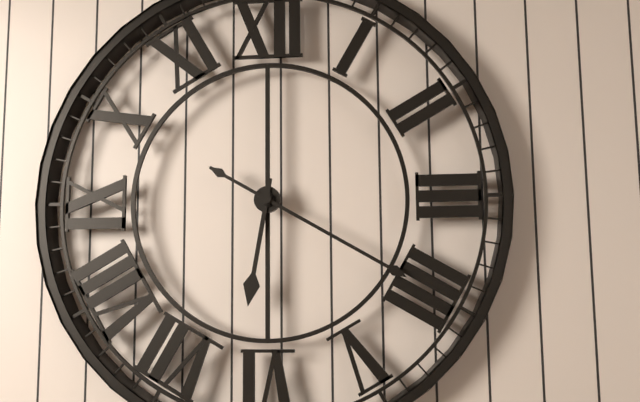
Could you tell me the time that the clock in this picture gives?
6:20
